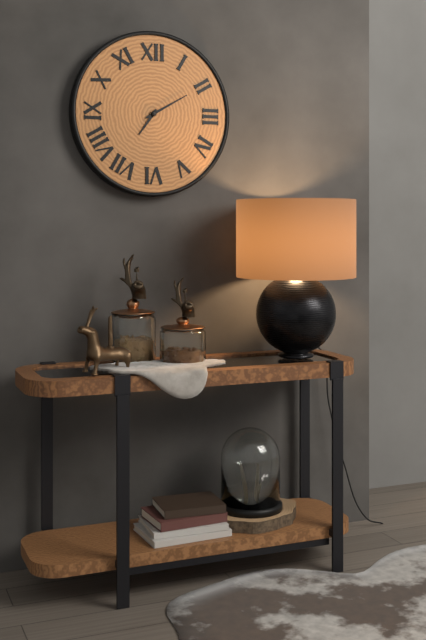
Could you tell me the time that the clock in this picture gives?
7:10
